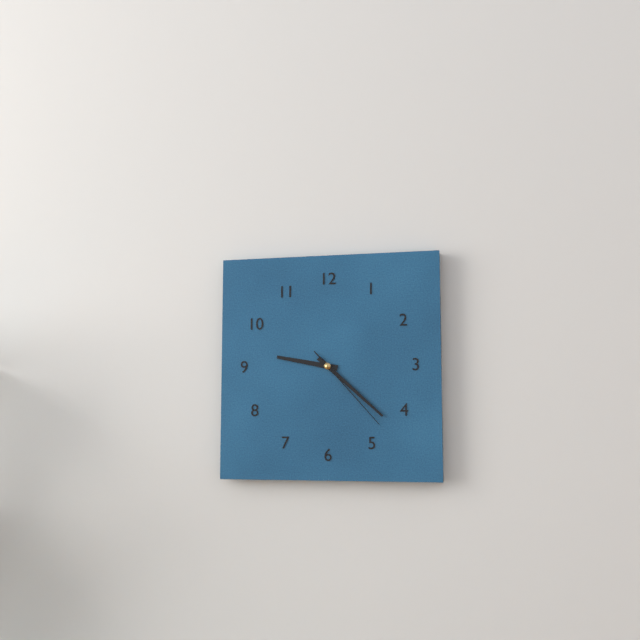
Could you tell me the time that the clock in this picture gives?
9:22:23
